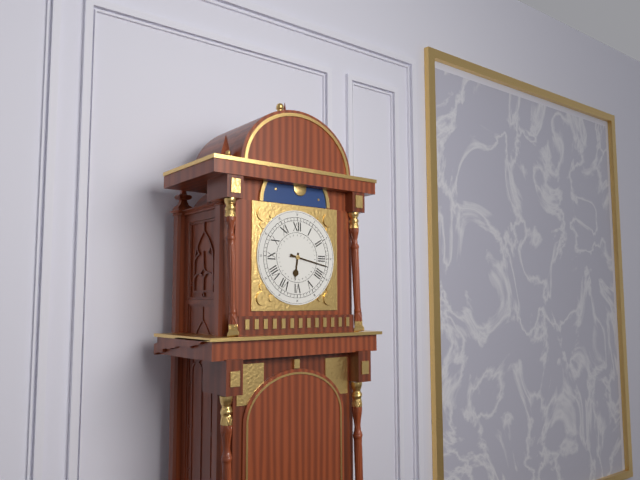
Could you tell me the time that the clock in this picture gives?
6:17
